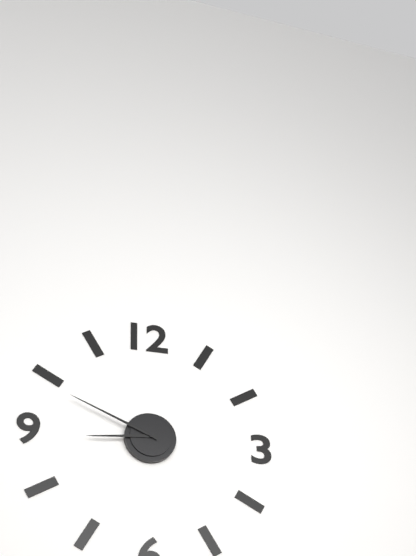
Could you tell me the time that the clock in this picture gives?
8:49
